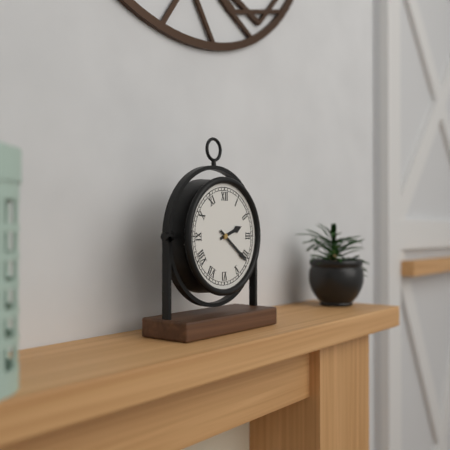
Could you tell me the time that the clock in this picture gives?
2:21
